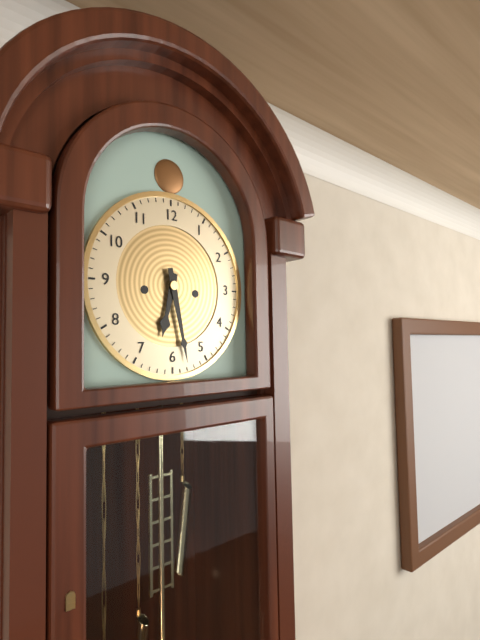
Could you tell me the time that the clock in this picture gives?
6:28
